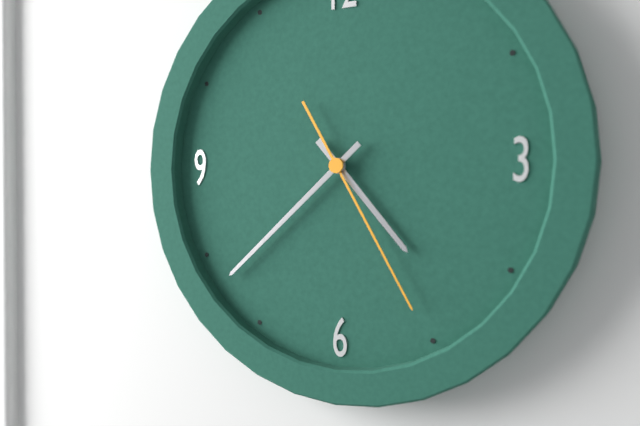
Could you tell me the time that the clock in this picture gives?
4:38:25
